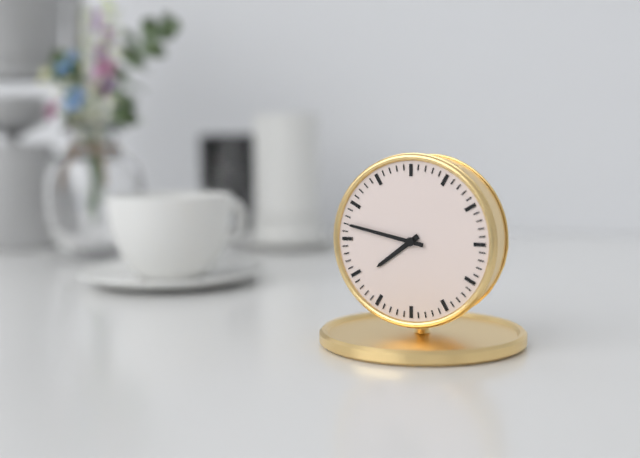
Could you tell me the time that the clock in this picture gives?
7:47
